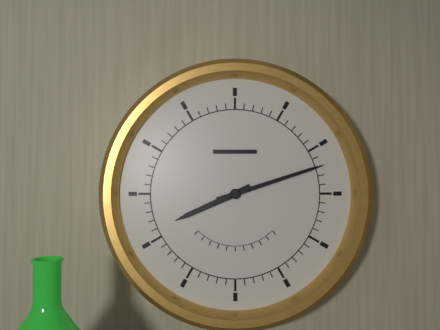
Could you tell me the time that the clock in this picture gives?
8:12
